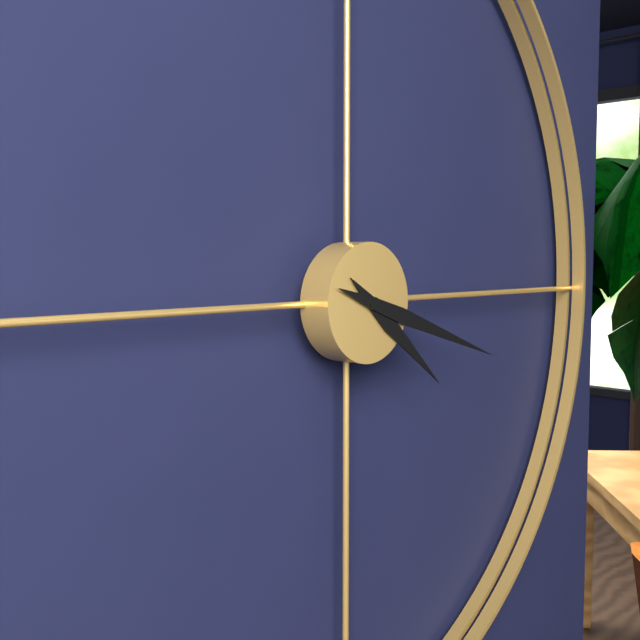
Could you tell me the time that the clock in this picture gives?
4:18
